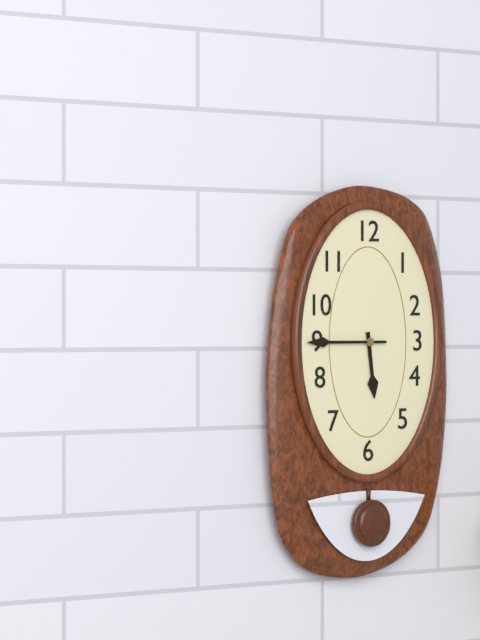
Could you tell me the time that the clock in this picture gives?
5:45
